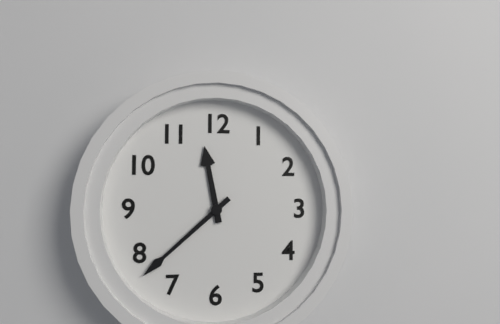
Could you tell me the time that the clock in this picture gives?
11:38
